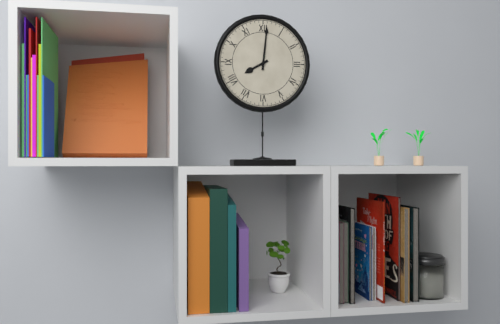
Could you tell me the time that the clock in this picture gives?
8:01
